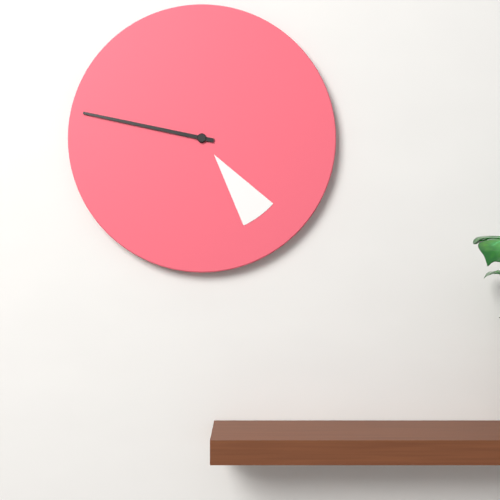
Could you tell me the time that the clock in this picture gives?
4:47
